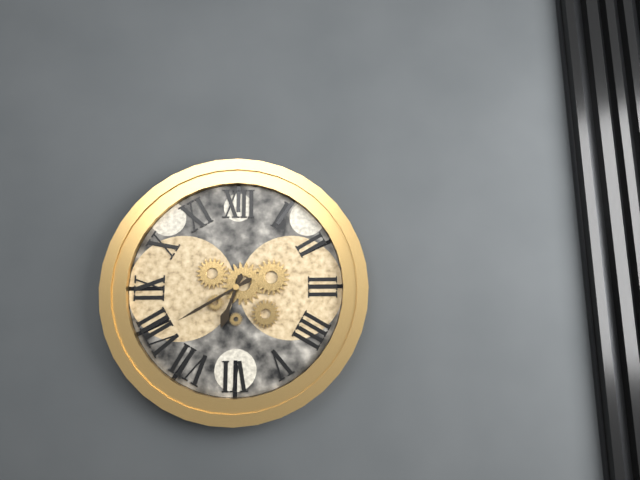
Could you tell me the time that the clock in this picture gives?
6:40
